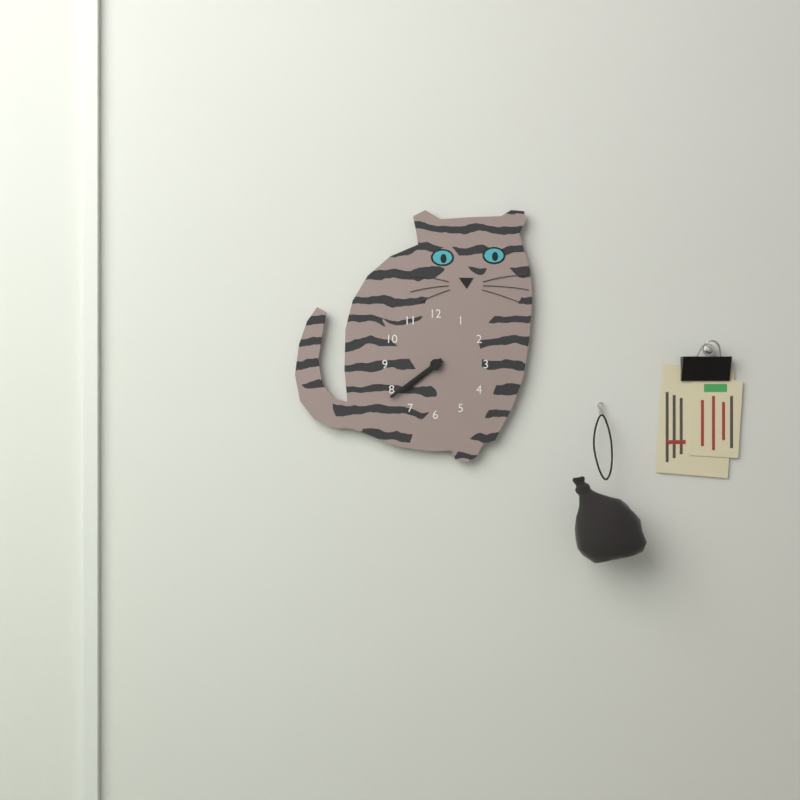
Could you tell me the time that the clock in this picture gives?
7:39
